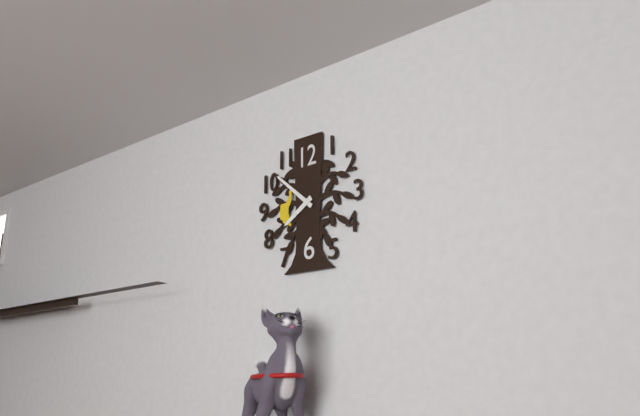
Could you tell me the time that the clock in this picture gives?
7:52
